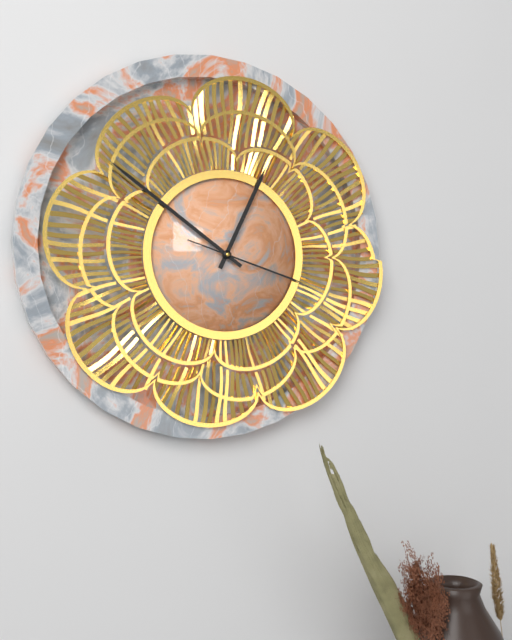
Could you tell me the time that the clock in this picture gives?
12:51:18
